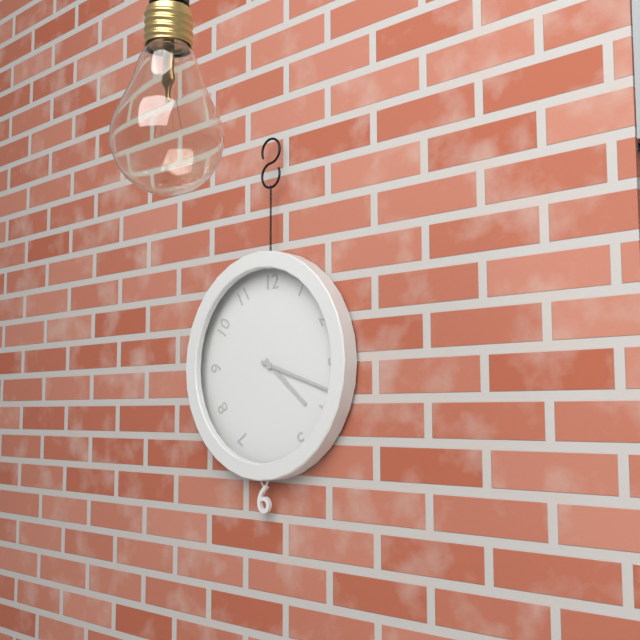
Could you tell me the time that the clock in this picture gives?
4:18
